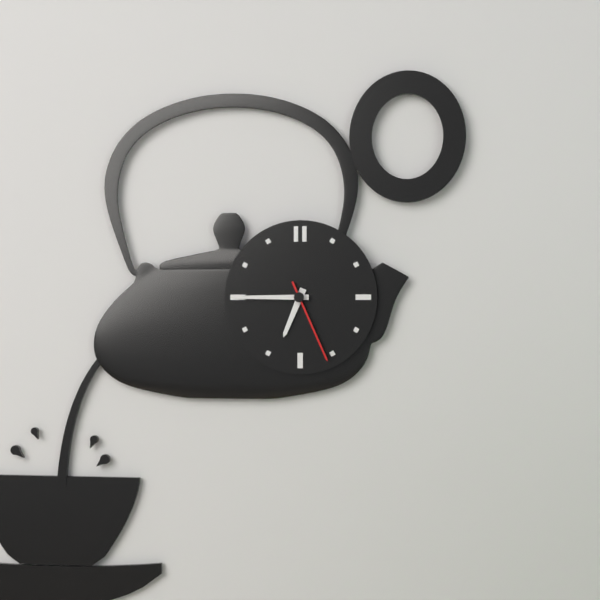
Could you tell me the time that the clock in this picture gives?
6:45:26
